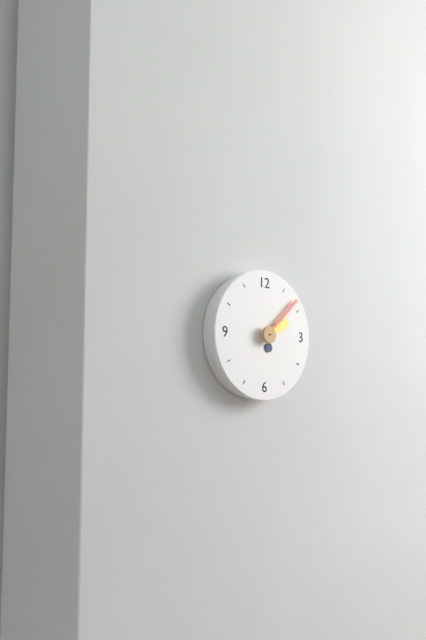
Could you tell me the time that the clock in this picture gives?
2:08
